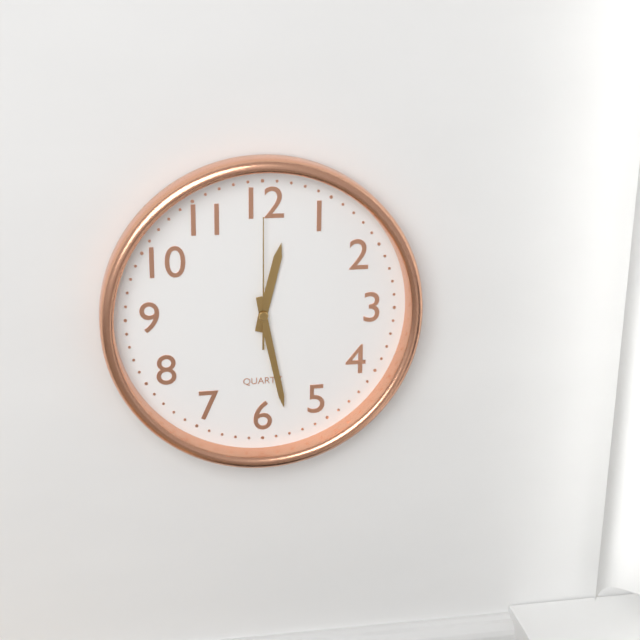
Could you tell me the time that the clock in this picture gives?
12:28:00
